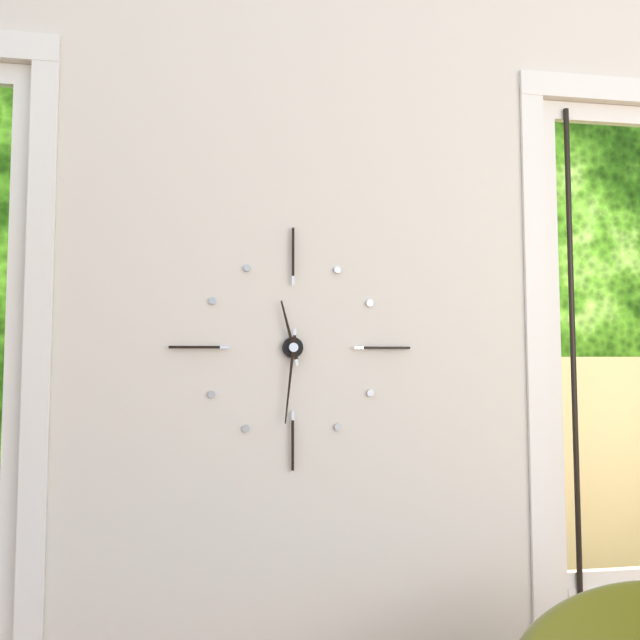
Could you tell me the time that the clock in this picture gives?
11:31
